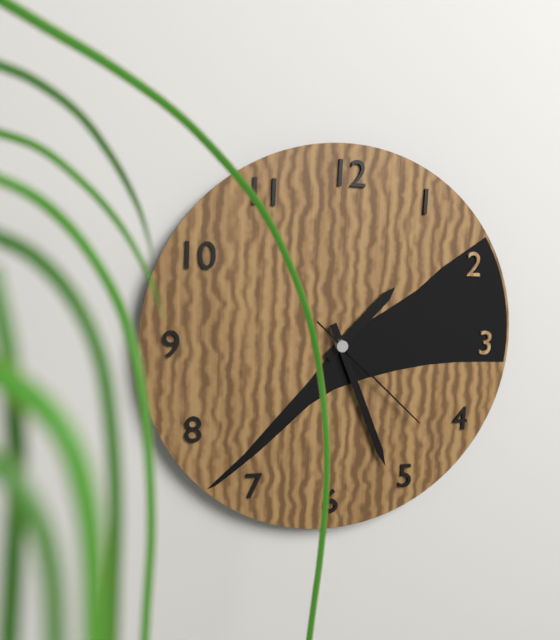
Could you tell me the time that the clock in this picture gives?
1:26:22
